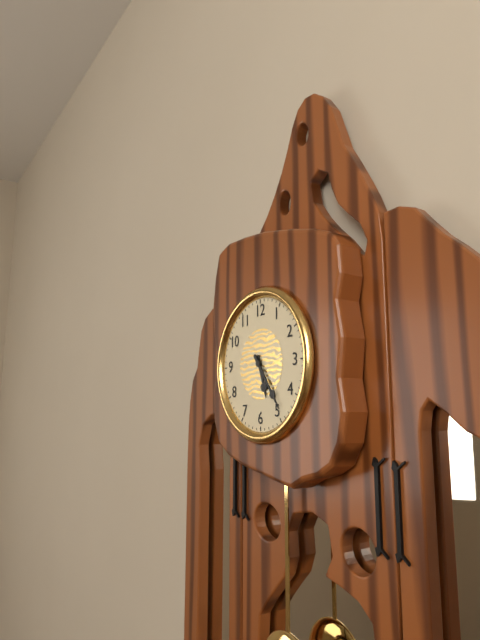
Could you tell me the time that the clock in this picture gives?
5:24
